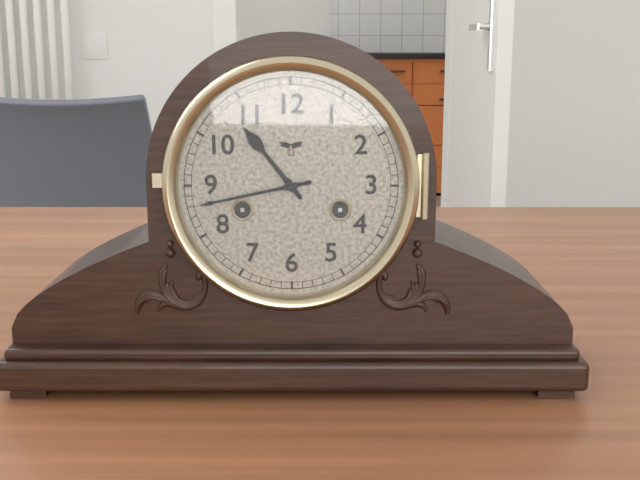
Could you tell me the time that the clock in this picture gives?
10:43
